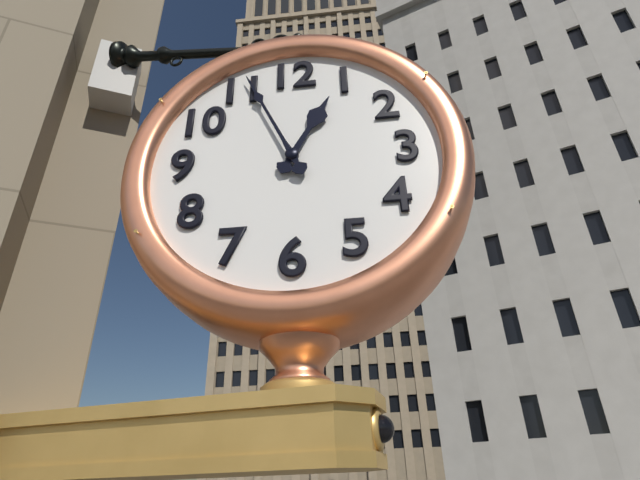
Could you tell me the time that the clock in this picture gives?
12:56
